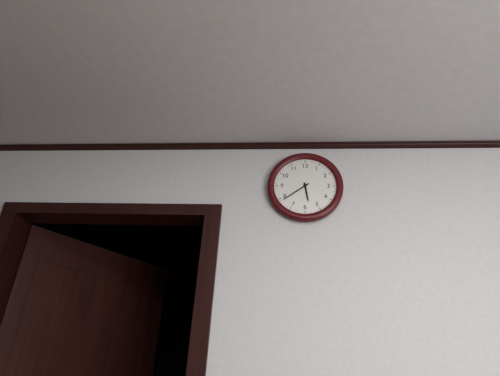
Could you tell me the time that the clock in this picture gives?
5:39
